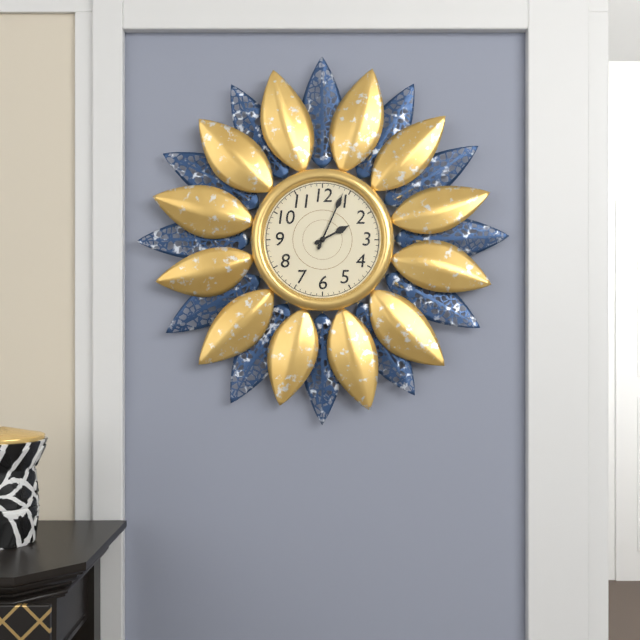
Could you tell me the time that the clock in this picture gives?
2:04
